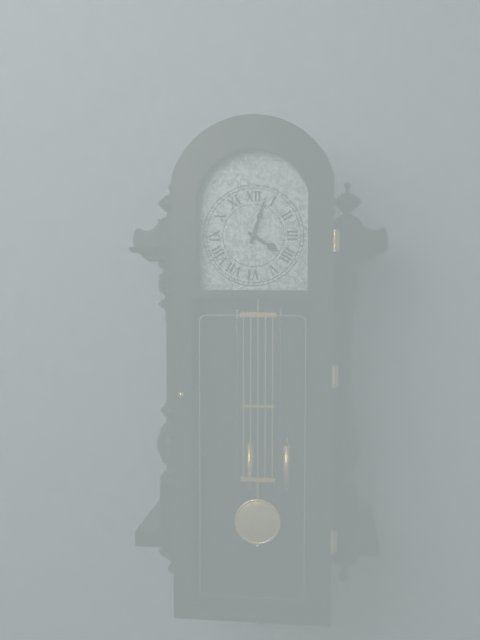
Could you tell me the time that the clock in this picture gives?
4:03
